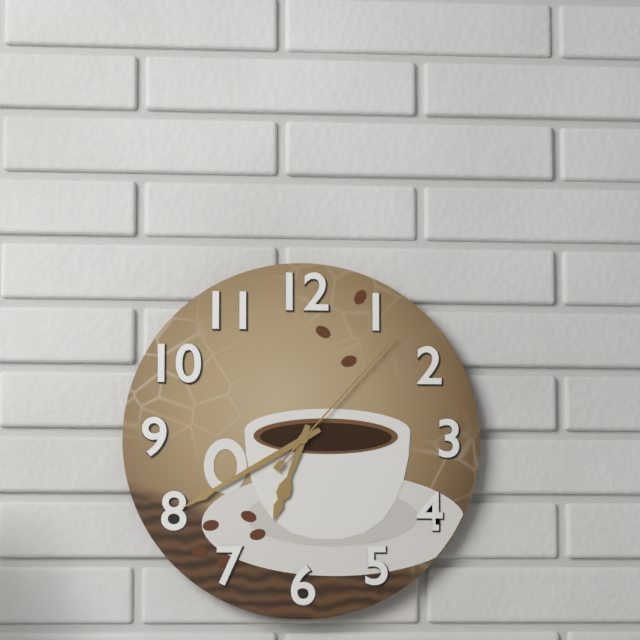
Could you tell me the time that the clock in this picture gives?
6:40:07
